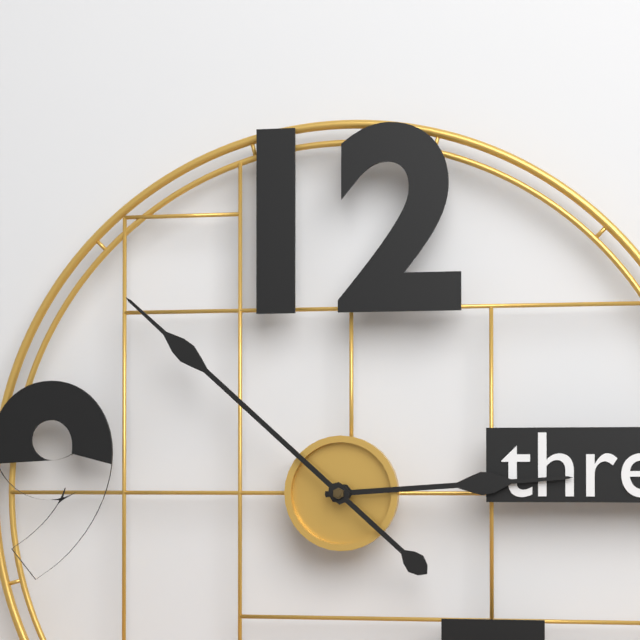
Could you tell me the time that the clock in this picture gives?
2:52
